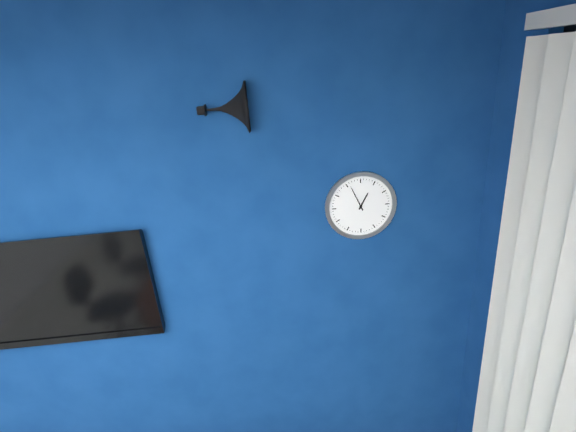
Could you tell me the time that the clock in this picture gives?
12:56
